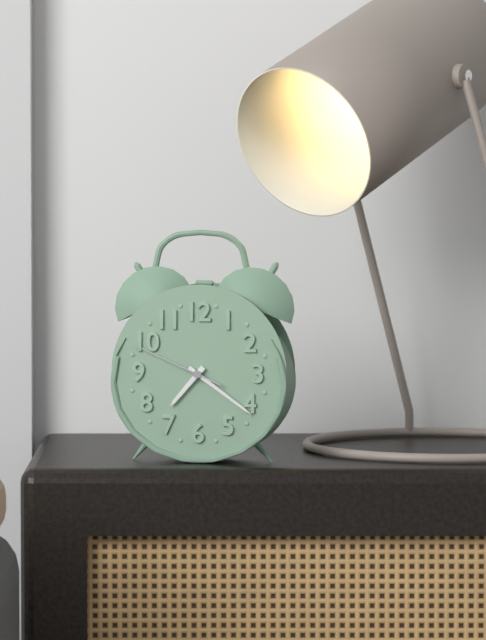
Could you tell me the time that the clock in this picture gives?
7:21:49
